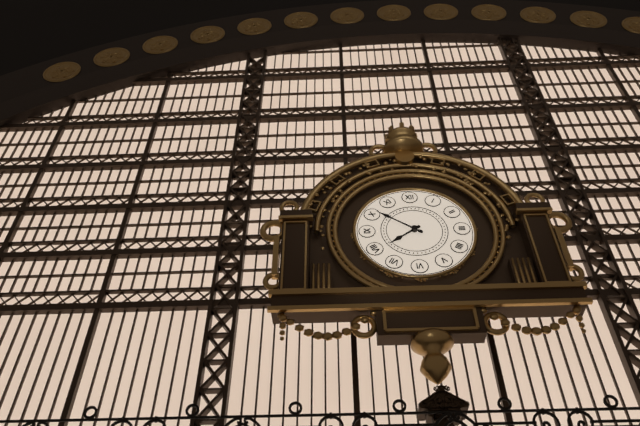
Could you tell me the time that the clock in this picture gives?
7:51
